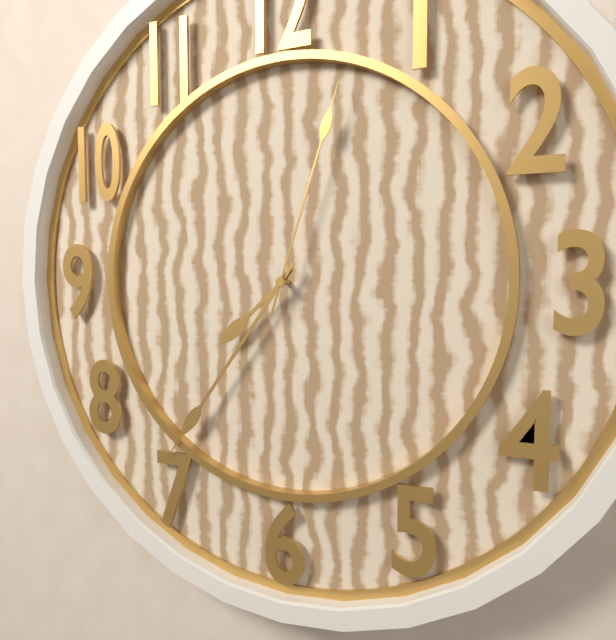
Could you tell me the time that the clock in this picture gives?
7:36:03
